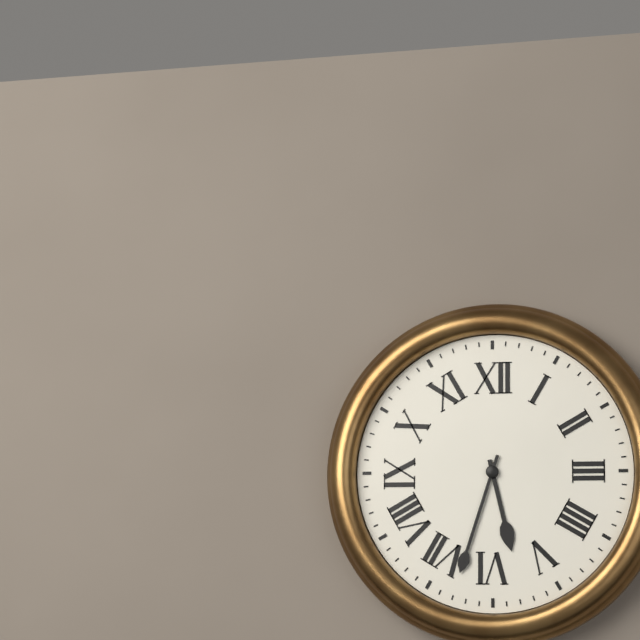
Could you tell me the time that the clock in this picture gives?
5:33
